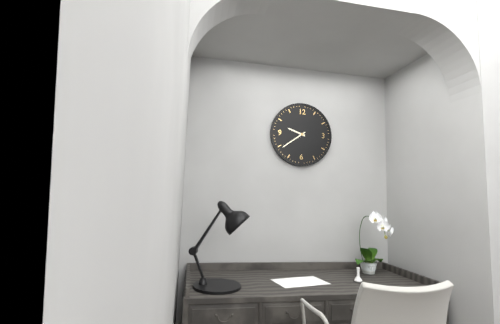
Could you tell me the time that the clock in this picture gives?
9:39
